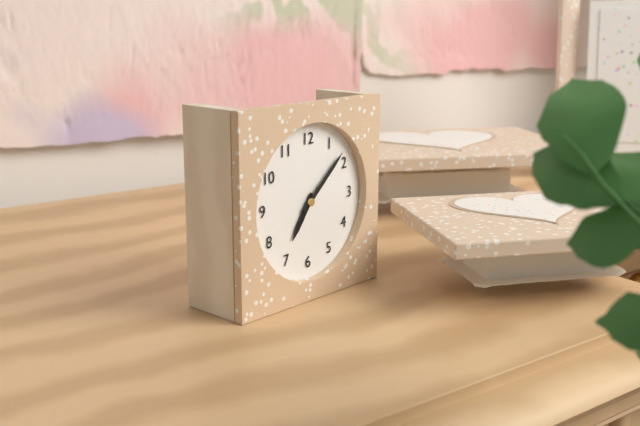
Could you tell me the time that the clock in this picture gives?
7:08
